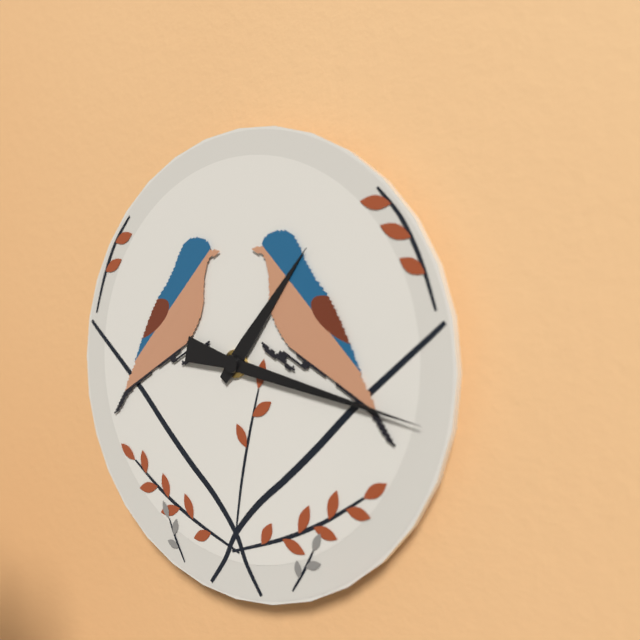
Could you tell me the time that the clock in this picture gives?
1:17
